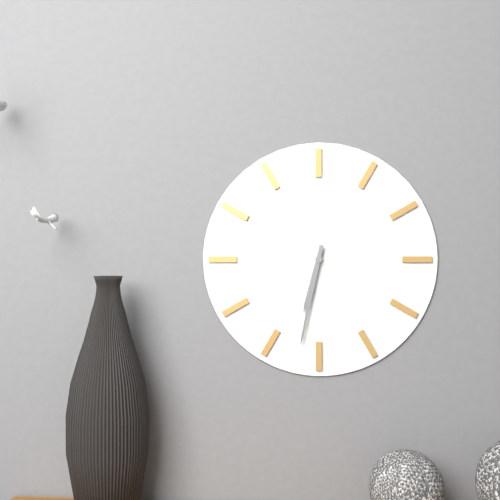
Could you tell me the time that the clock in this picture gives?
6:32
